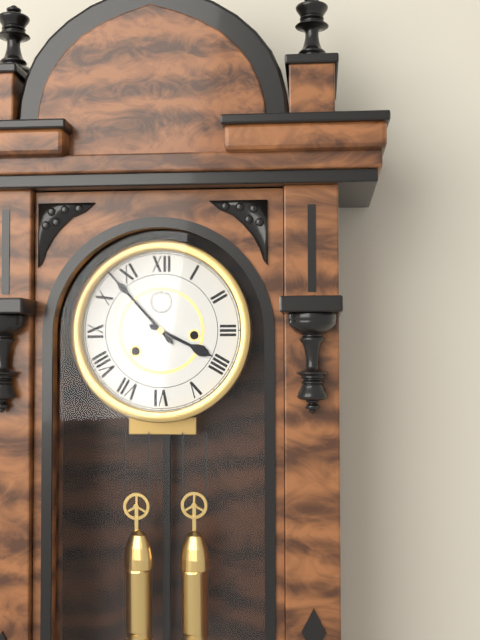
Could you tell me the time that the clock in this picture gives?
3:53
